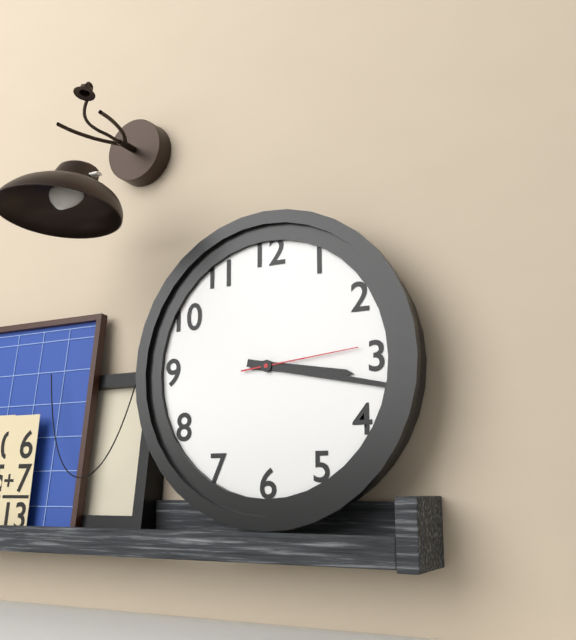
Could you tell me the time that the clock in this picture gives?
3:17:14
